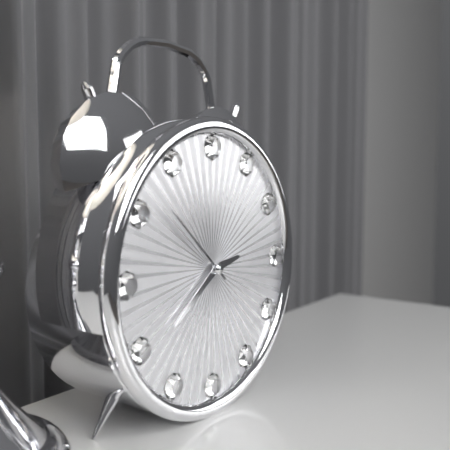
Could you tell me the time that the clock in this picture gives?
2:39:52
